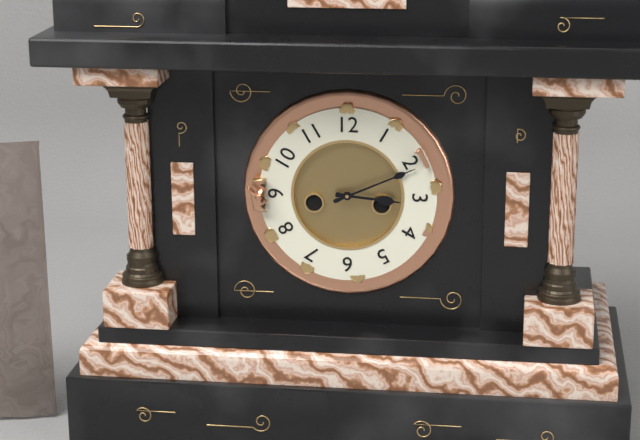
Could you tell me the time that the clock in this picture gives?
3:11
